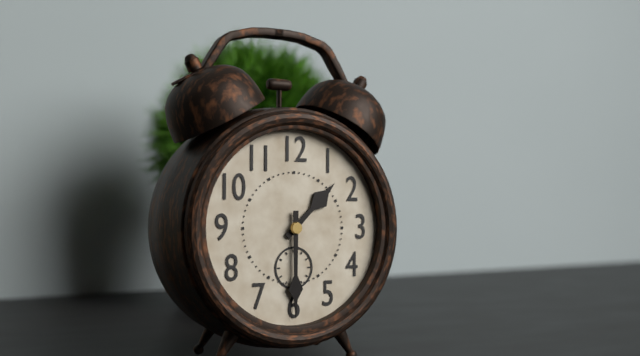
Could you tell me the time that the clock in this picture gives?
1:30
